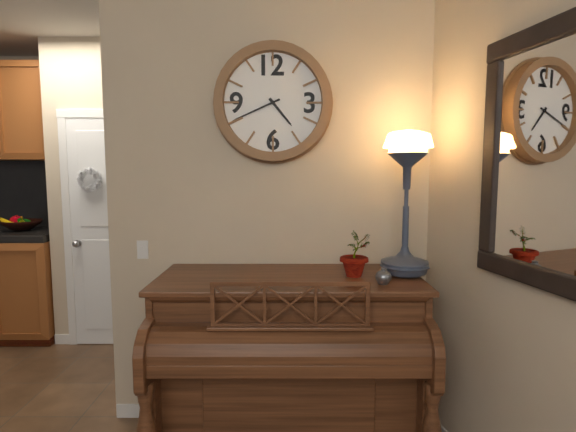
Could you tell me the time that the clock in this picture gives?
4:41
